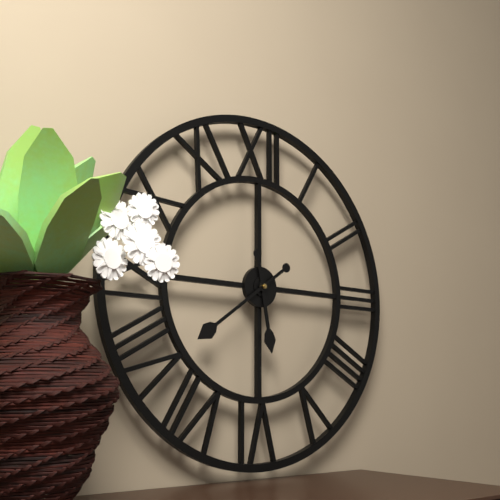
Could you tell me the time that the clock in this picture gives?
5:39
